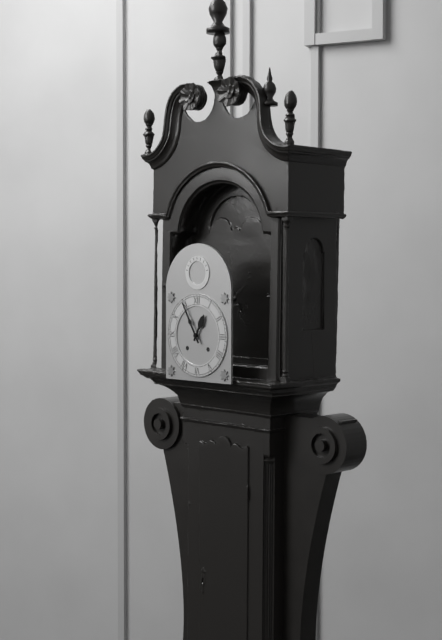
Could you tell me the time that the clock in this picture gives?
12:55
